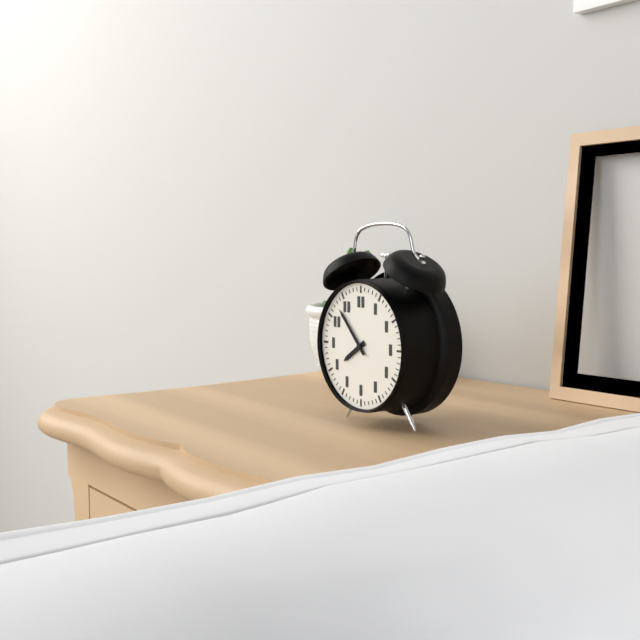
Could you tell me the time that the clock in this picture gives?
7:53
